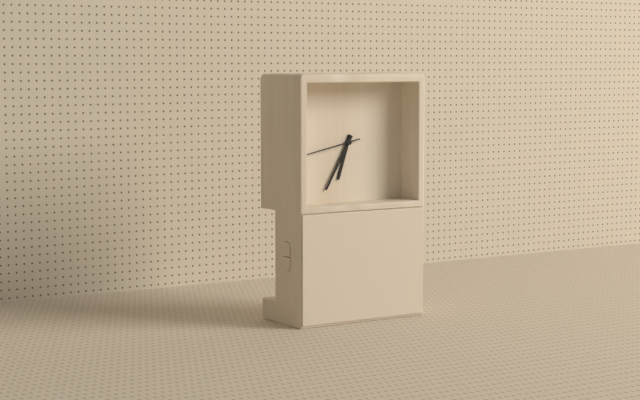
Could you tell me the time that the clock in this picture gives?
6:35:43
